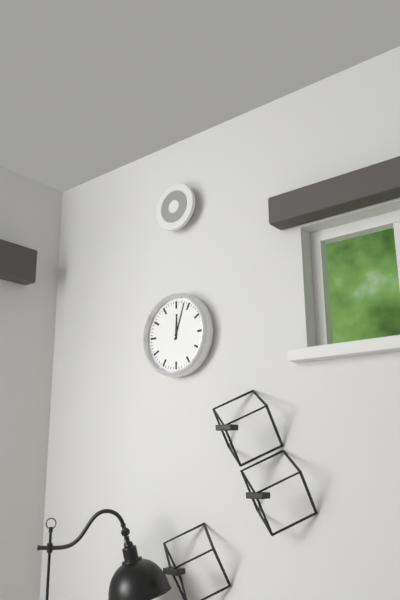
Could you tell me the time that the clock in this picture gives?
12:03
